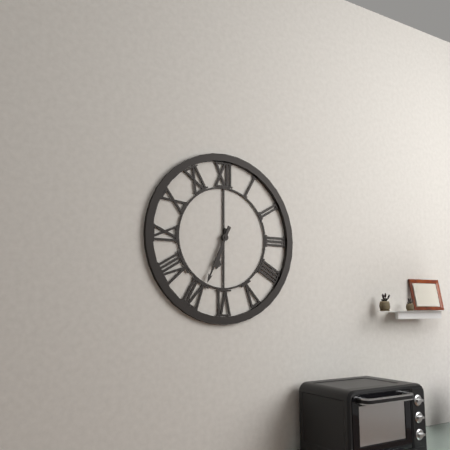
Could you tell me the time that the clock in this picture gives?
6:34
